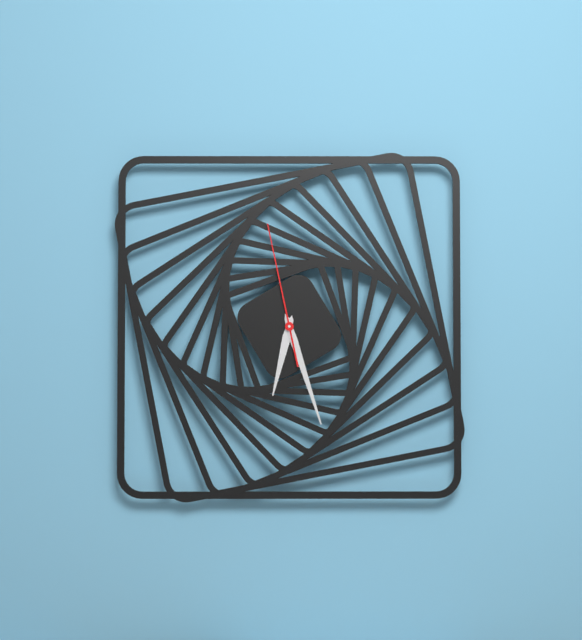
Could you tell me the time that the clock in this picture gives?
6:27:58
